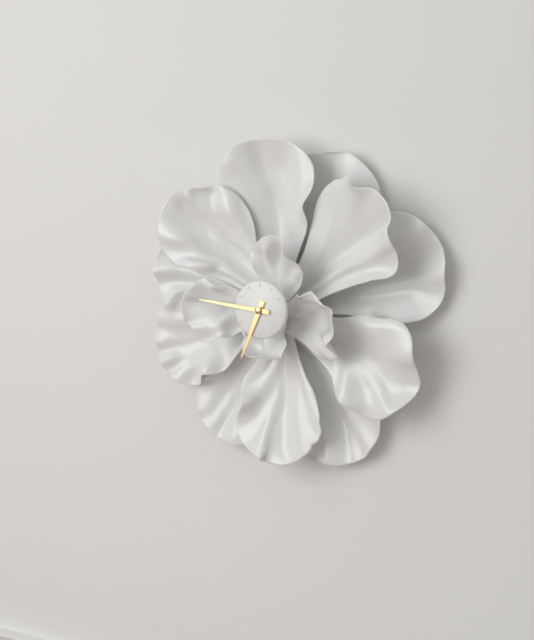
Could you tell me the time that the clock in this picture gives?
6:46
